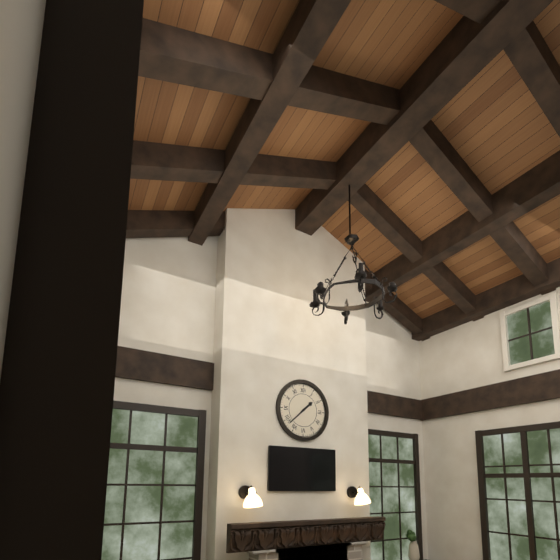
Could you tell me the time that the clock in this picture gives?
1:38
